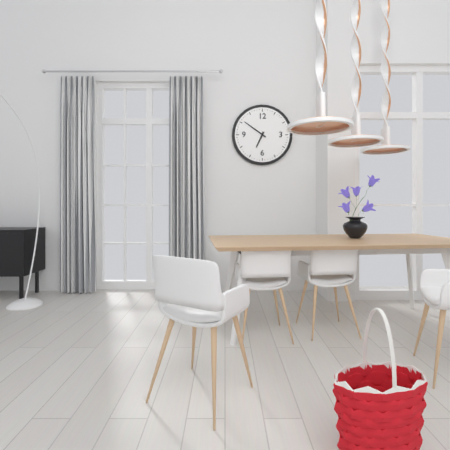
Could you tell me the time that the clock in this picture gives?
6:51
